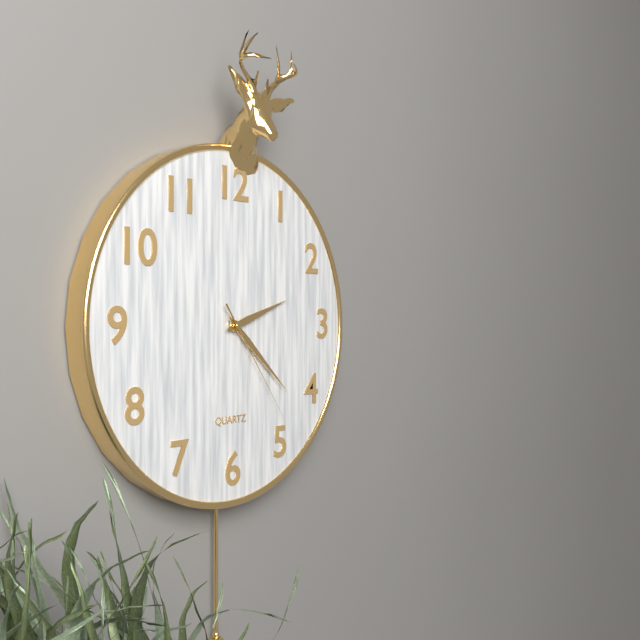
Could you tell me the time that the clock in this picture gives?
2:22:24
